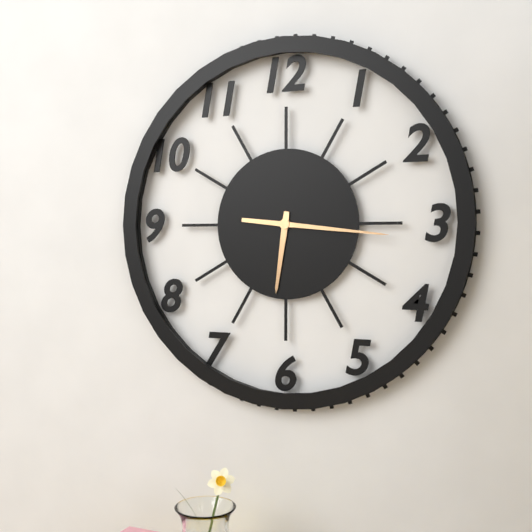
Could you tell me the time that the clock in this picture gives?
6:16
